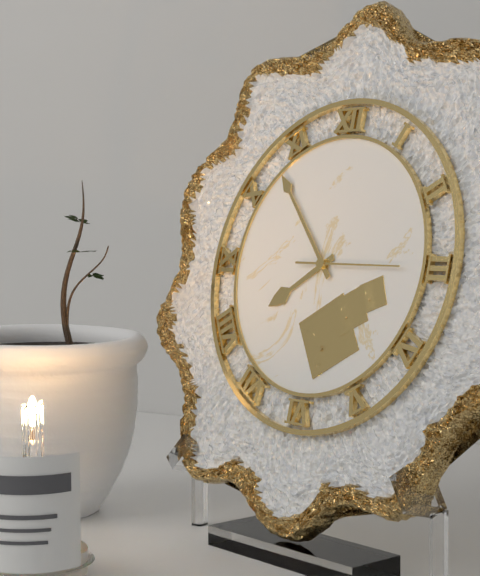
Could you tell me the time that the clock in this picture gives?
7:53:15
